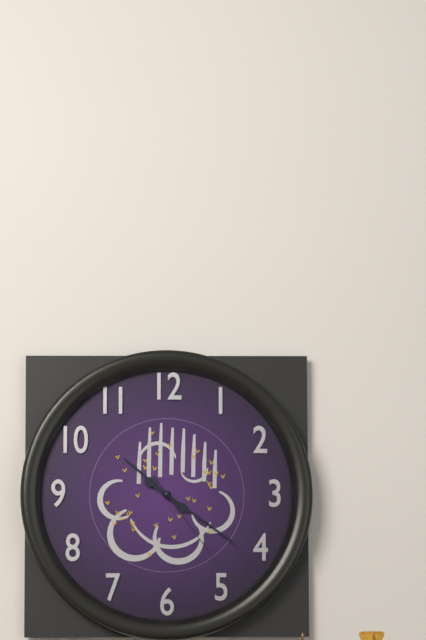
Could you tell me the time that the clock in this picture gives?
10:21:24
